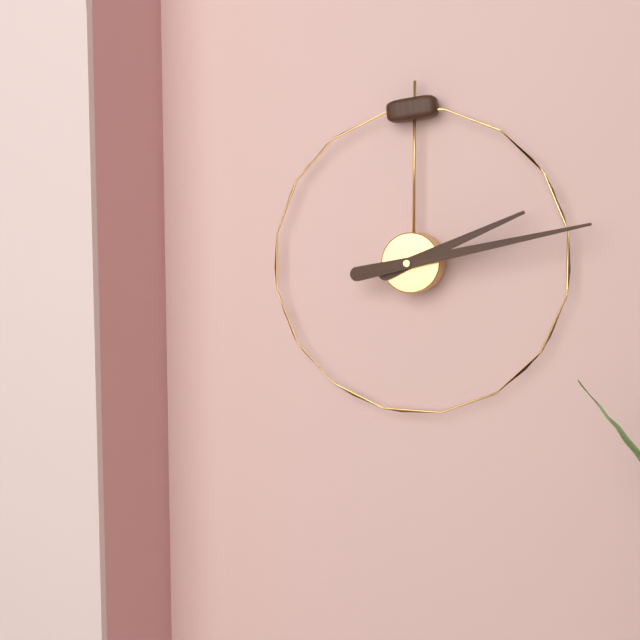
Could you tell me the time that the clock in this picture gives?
2:13
